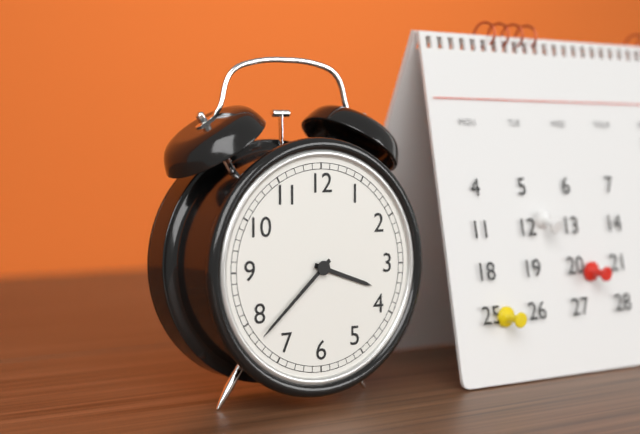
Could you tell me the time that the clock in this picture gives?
3:38
